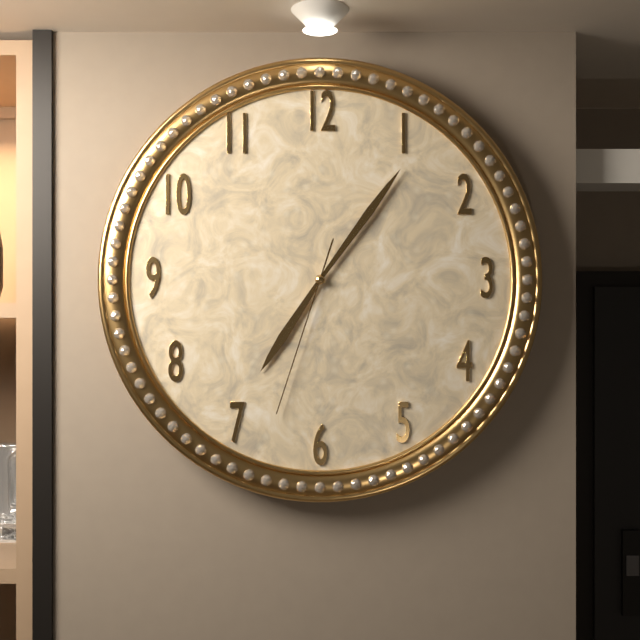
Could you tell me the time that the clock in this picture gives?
7:06:33
